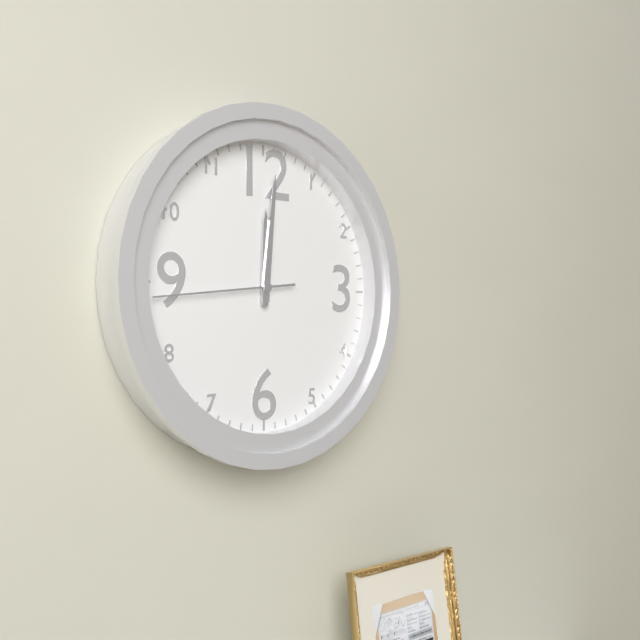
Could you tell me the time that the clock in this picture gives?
12:01:44
